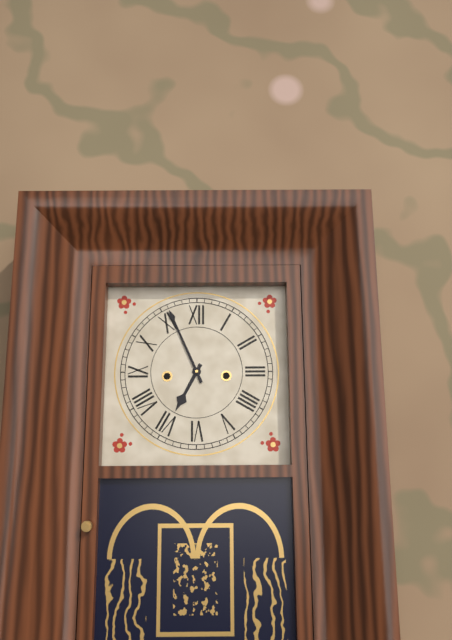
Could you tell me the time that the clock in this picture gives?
6:56
